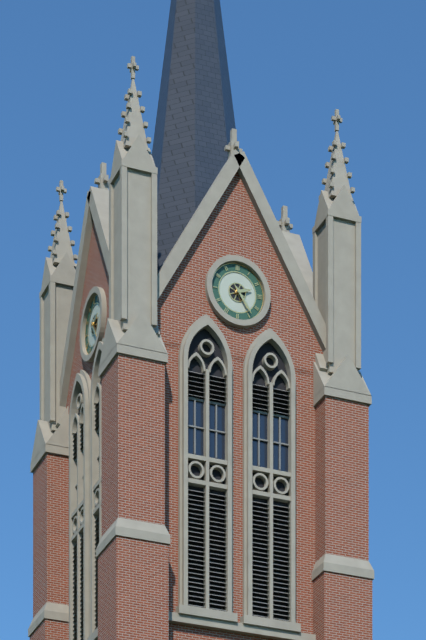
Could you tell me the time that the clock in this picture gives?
2:24
